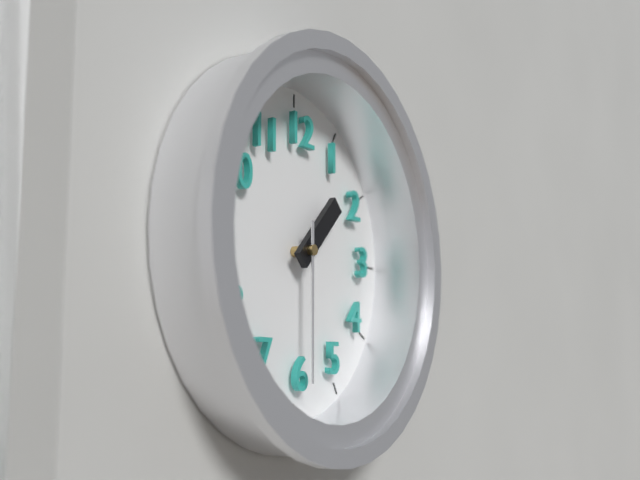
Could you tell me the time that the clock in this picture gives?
1:30
